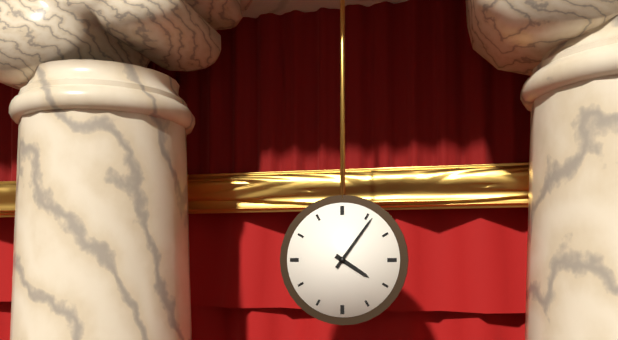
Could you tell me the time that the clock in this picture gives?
4:06
